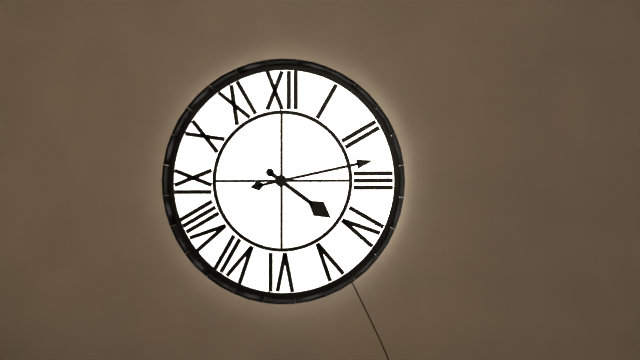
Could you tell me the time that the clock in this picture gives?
4:13
